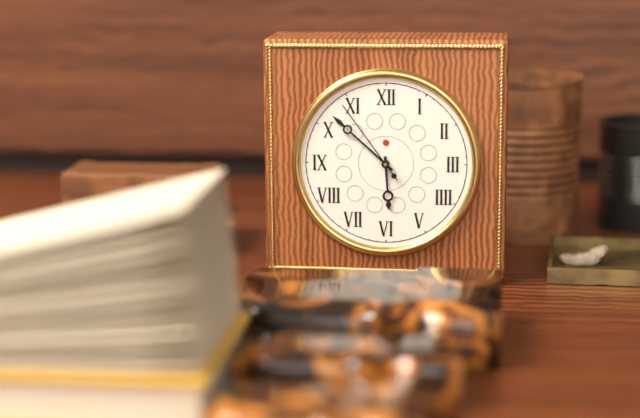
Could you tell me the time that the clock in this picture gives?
5:52:54
